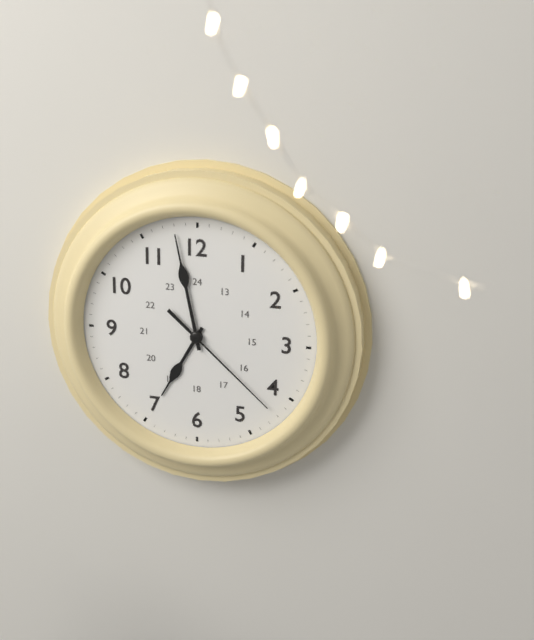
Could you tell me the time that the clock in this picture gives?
6:58:22
